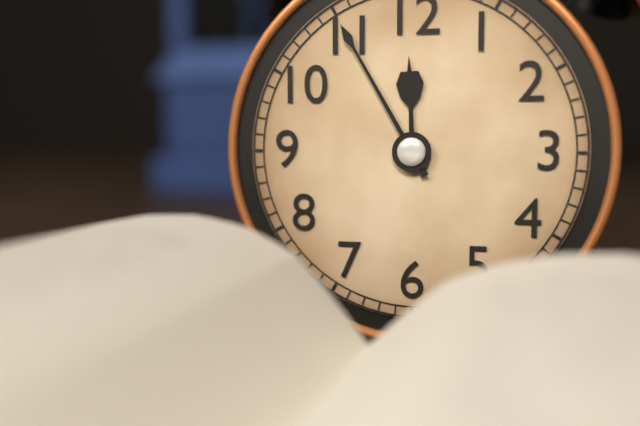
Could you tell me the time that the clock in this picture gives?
11:55
